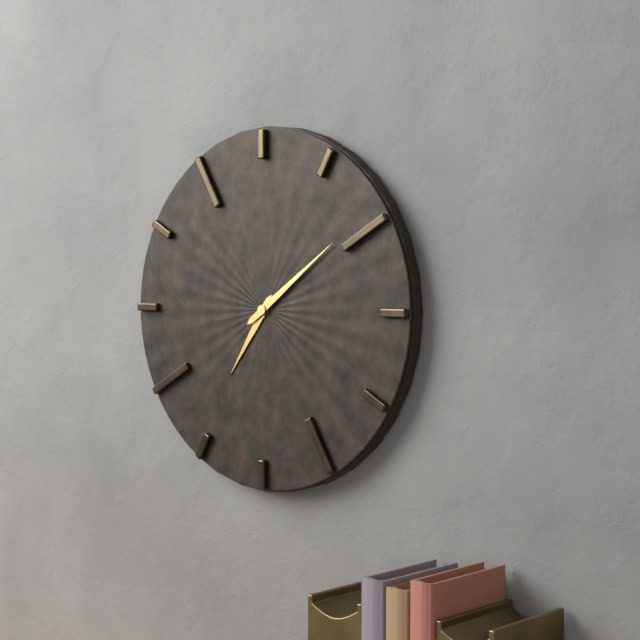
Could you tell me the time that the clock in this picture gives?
7:09
